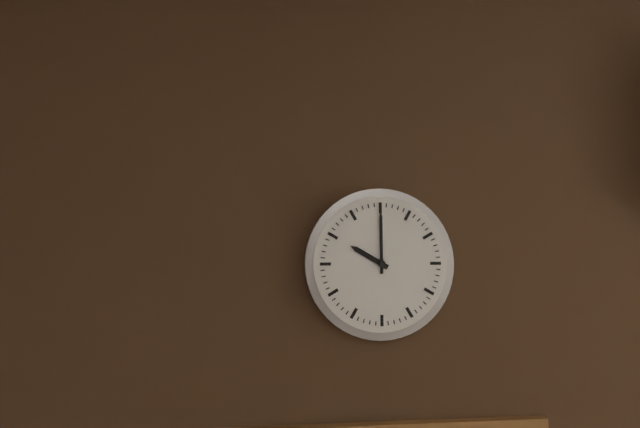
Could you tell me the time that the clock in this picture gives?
10:00
